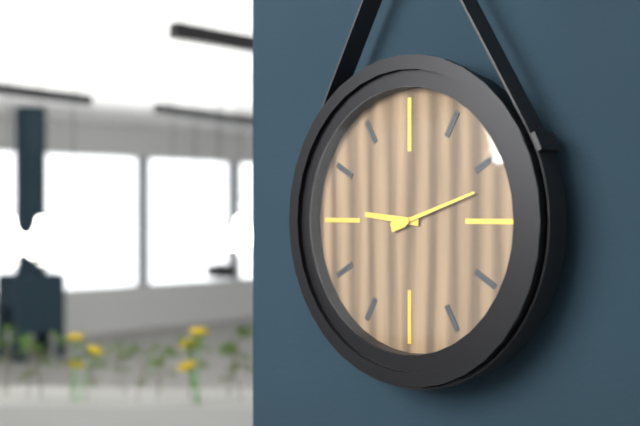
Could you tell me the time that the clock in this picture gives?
9:12
